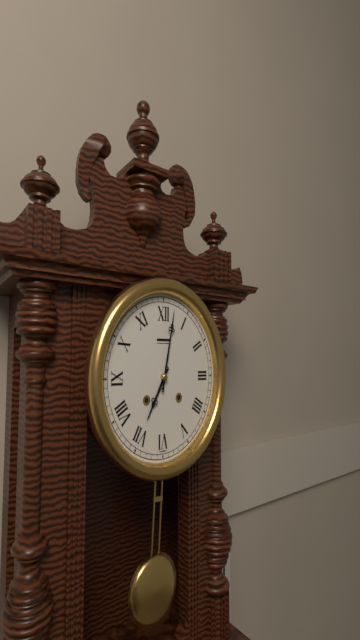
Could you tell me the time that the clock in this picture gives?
7:02
